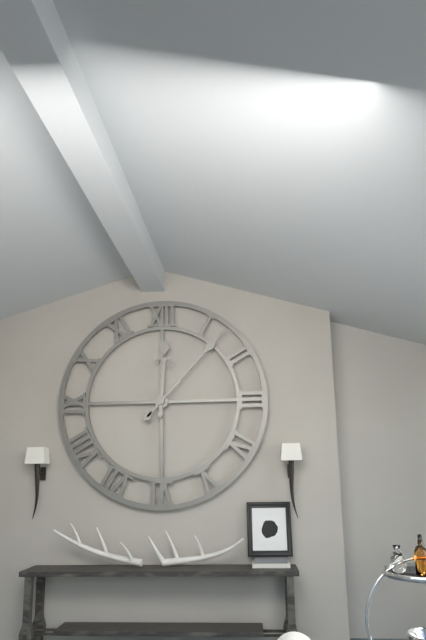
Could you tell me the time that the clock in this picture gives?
12:07
